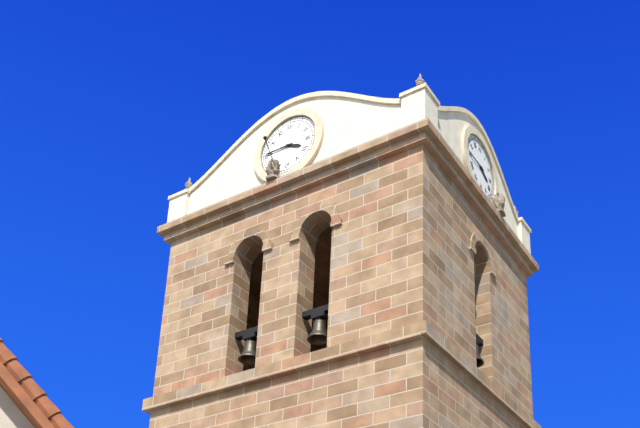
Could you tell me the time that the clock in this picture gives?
3:45
